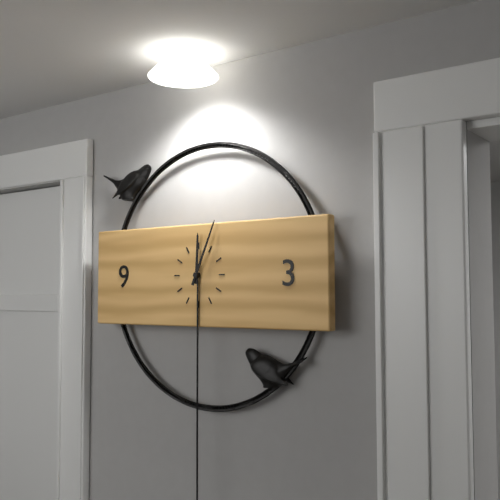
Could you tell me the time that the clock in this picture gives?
12:04
